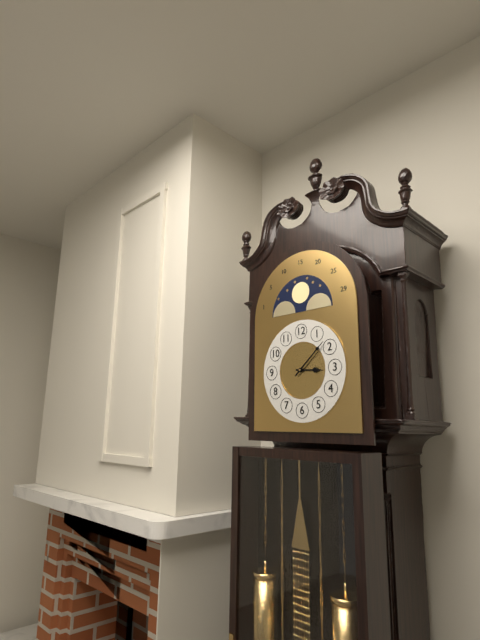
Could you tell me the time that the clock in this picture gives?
3:08
